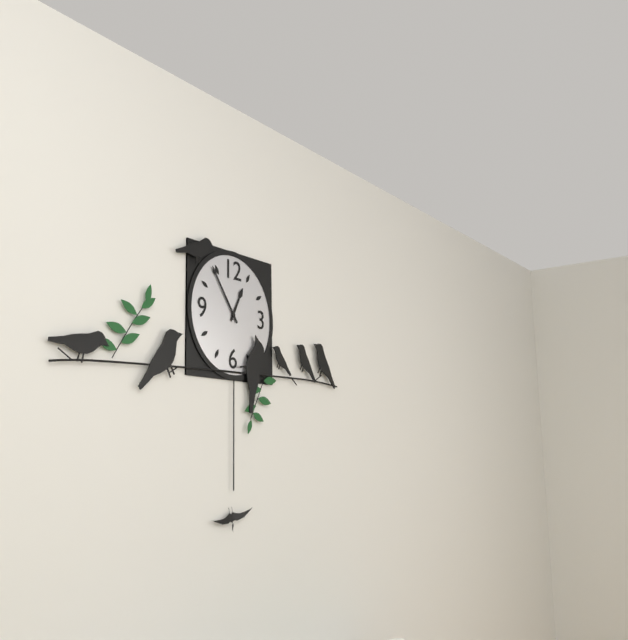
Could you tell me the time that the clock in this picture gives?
12:54
